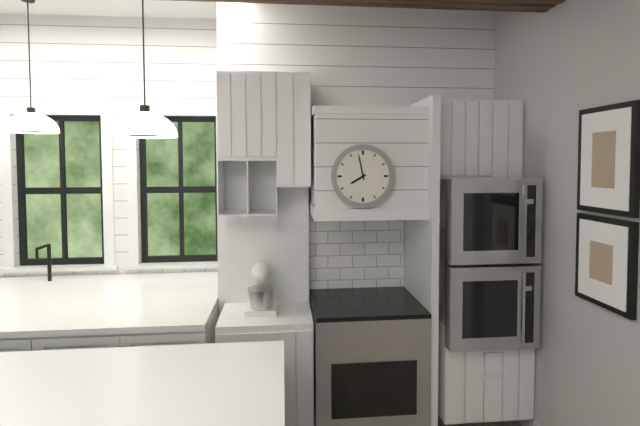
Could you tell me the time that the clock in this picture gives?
7:58
